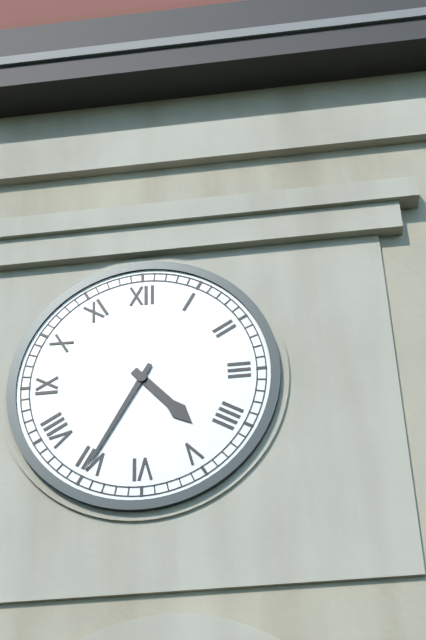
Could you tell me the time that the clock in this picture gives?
4:35
